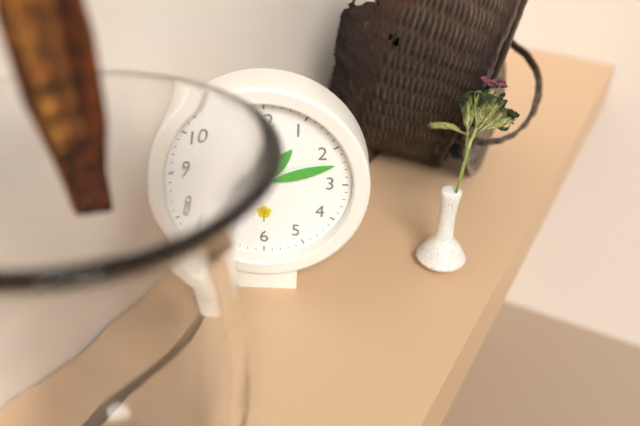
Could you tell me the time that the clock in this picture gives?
1:12
